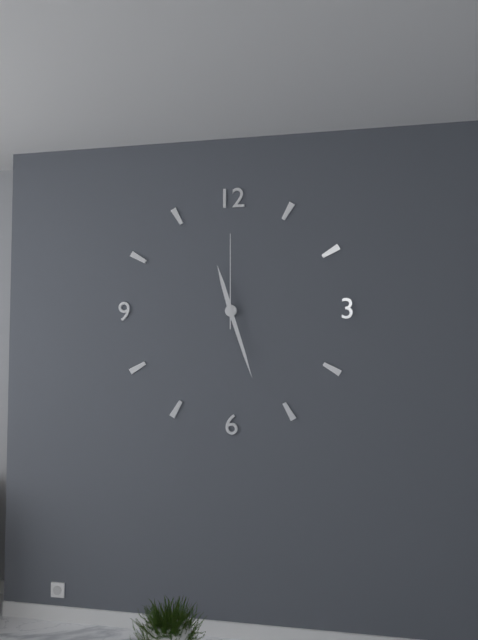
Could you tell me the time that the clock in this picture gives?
11:27:00
